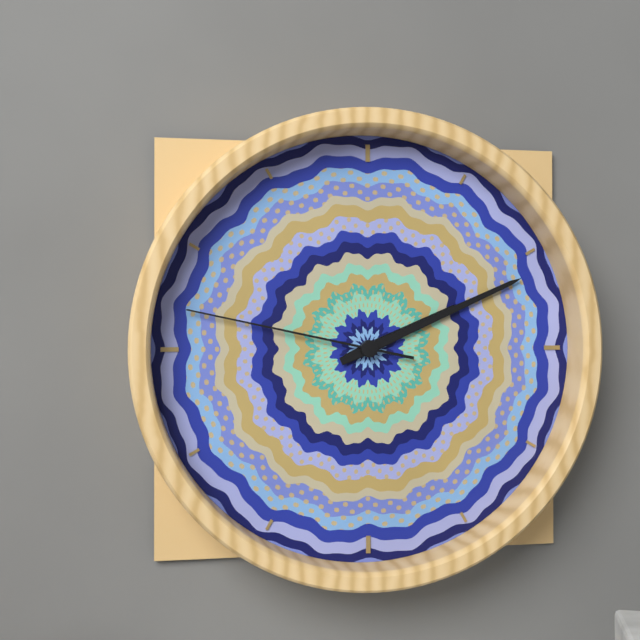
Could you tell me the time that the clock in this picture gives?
2:11:47
